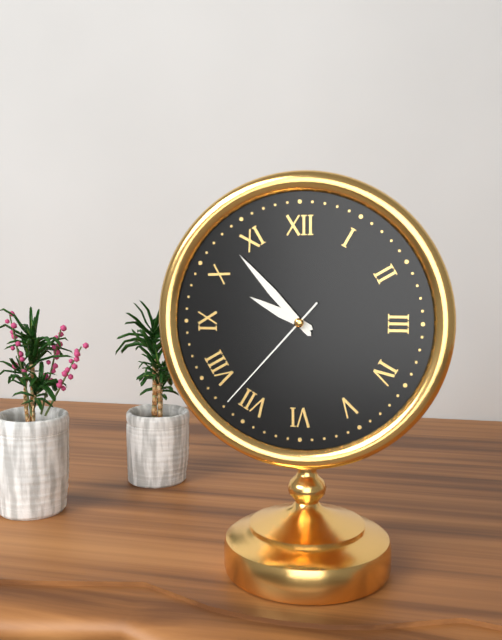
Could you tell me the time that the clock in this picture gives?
9:53:37
